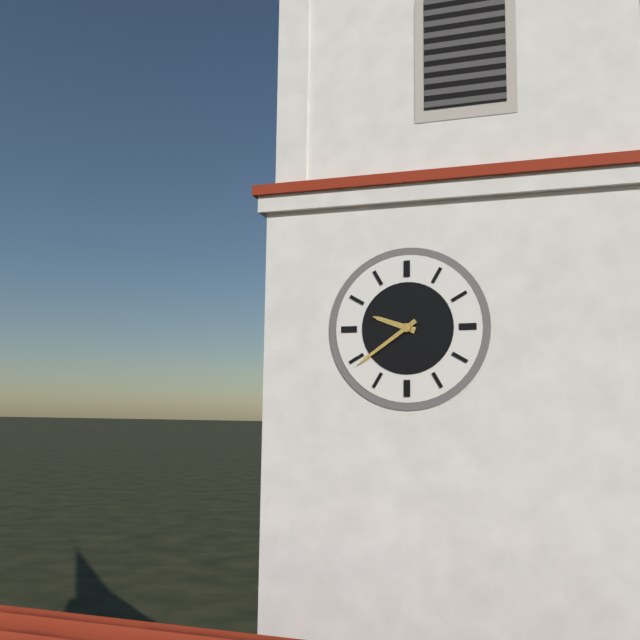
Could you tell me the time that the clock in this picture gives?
9:39
